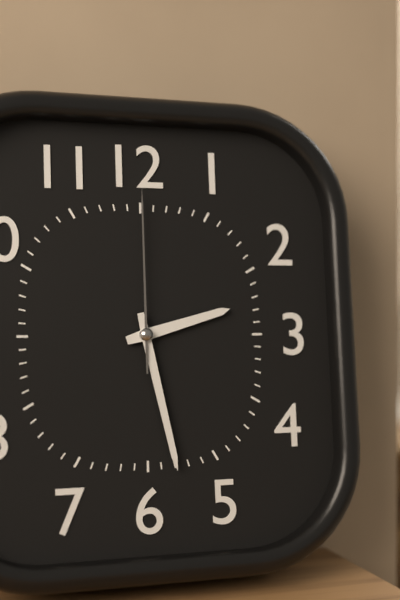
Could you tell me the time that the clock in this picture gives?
2:28:00
